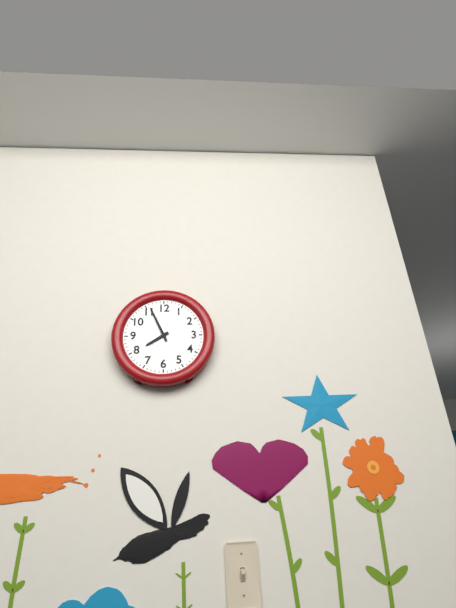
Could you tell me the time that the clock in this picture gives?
7:56
